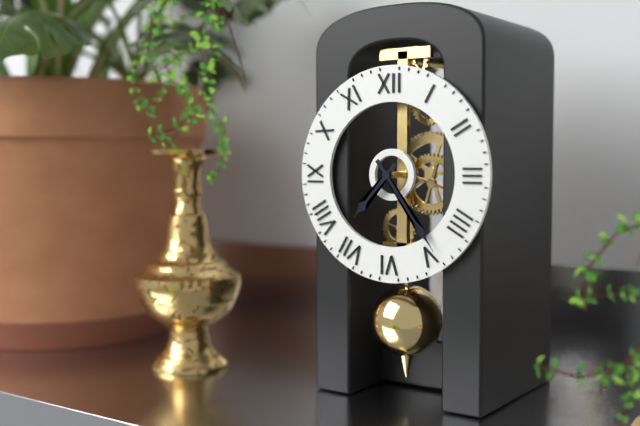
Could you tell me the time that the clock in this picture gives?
7:24
